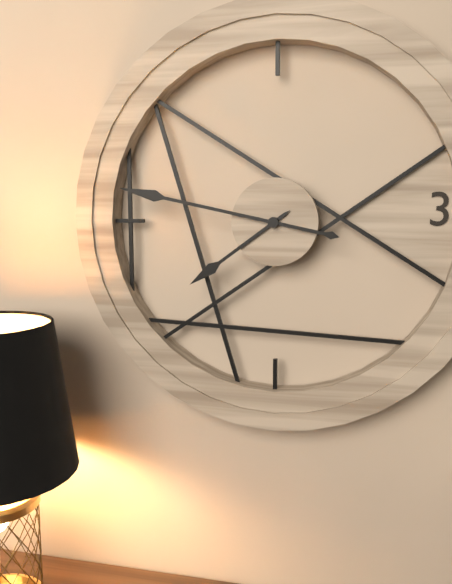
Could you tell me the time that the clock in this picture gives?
7:47
